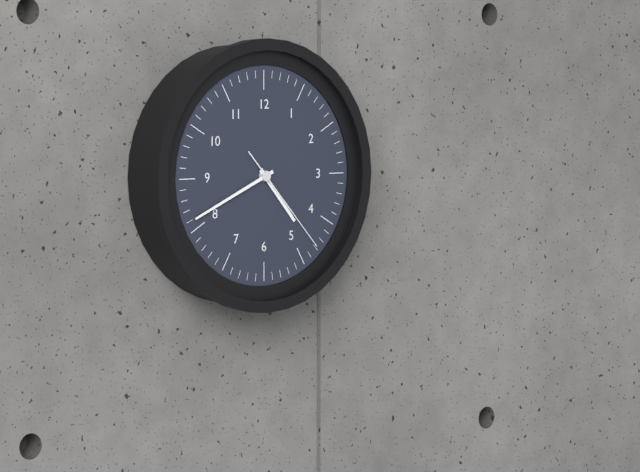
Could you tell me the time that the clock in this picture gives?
4:41:23
